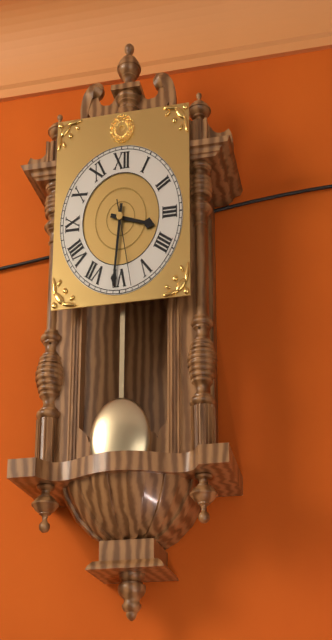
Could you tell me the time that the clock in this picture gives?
3:31:28
